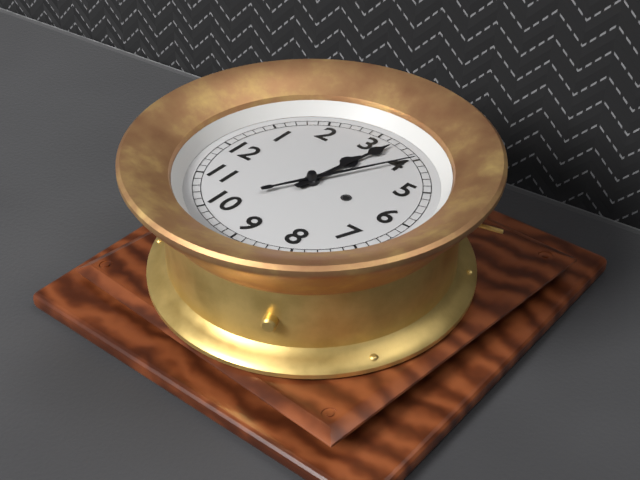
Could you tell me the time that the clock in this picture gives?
3:17:20
